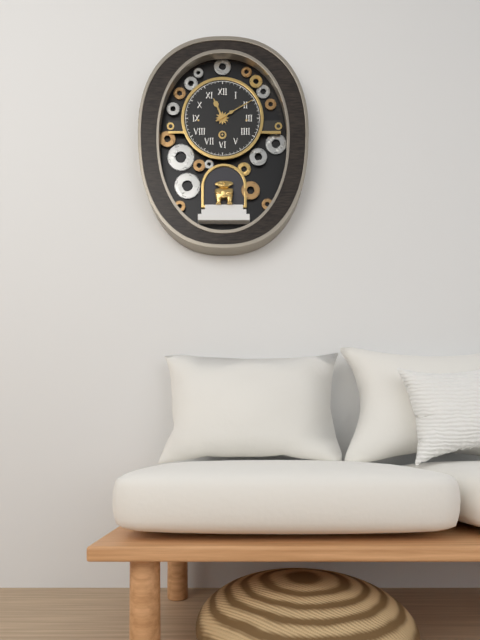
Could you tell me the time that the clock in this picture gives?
11:10
